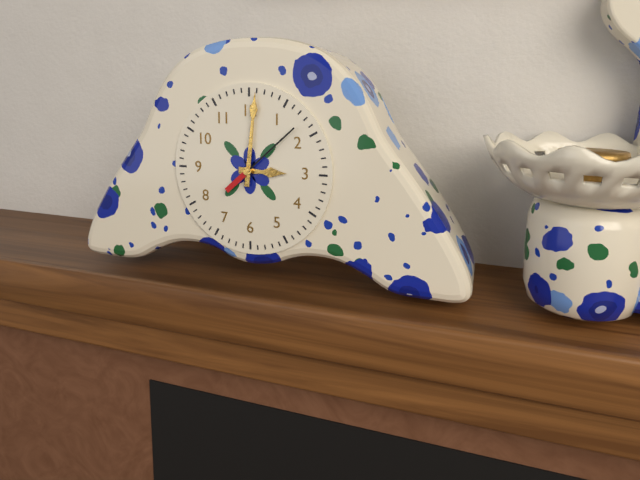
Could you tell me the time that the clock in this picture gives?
3:01:08
